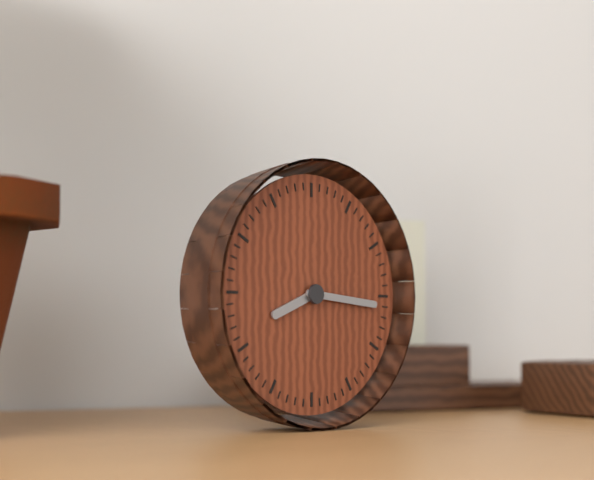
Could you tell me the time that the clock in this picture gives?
8:16
